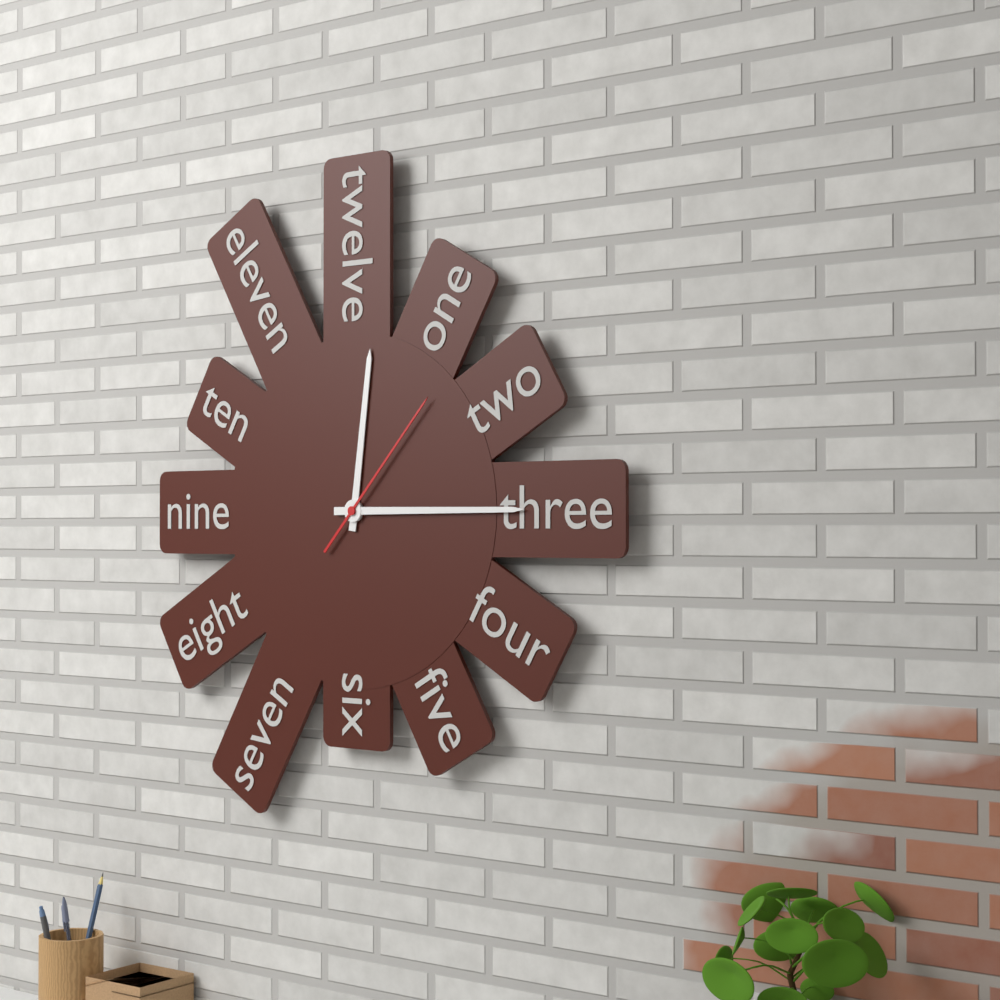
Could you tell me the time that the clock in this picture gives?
12:15:07
